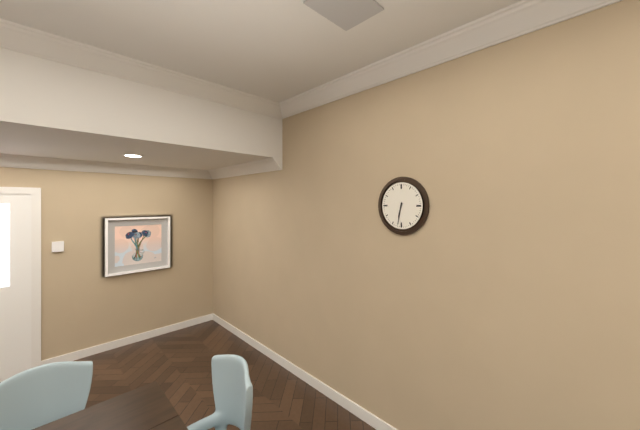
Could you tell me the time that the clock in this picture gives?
6:32
